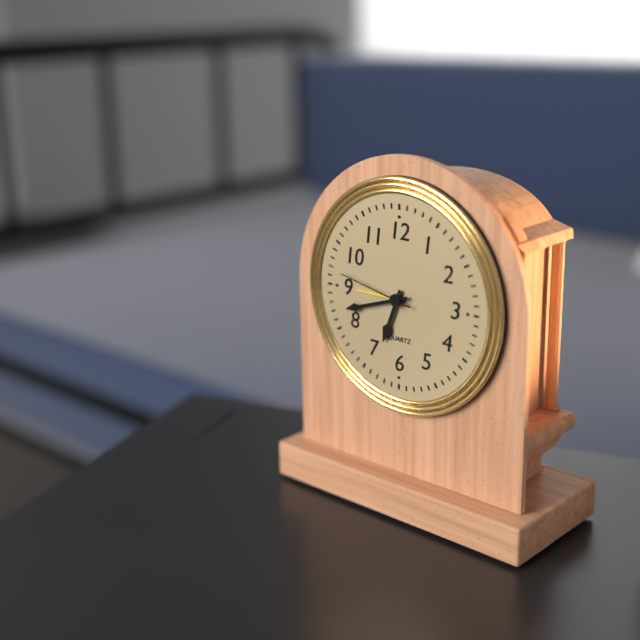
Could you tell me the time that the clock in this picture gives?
6:42:47
